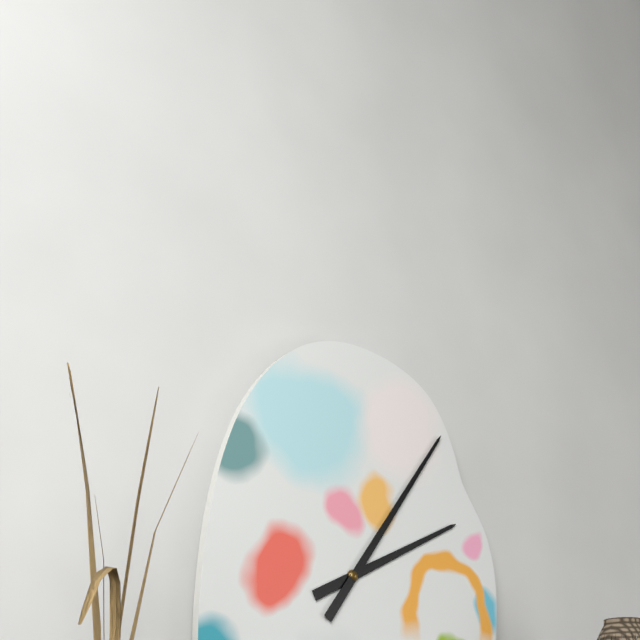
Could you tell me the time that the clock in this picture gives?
2:06
